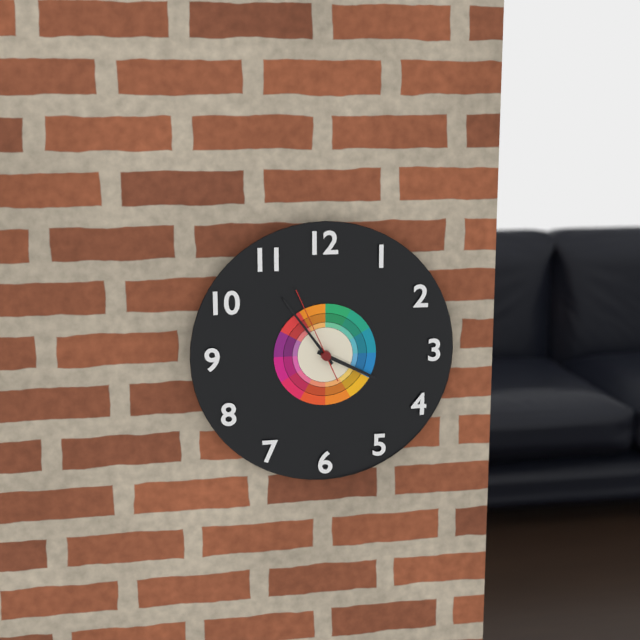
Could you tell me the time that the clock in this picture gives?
3:54:56
